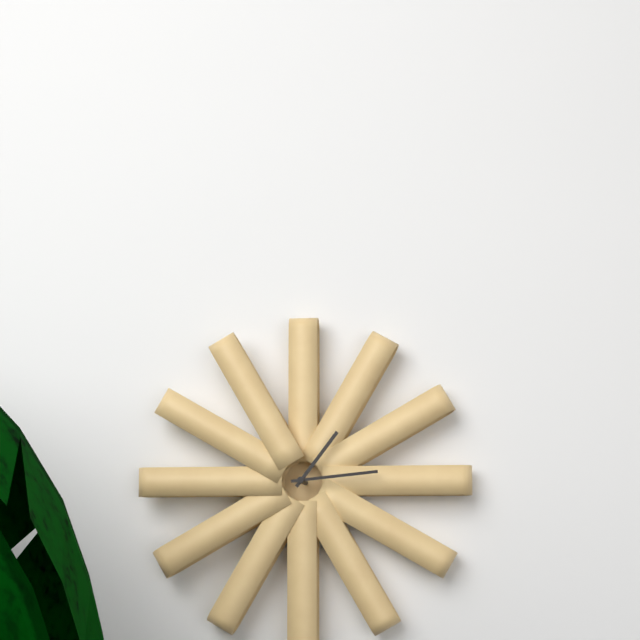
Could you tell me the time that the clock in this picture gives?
1:14
